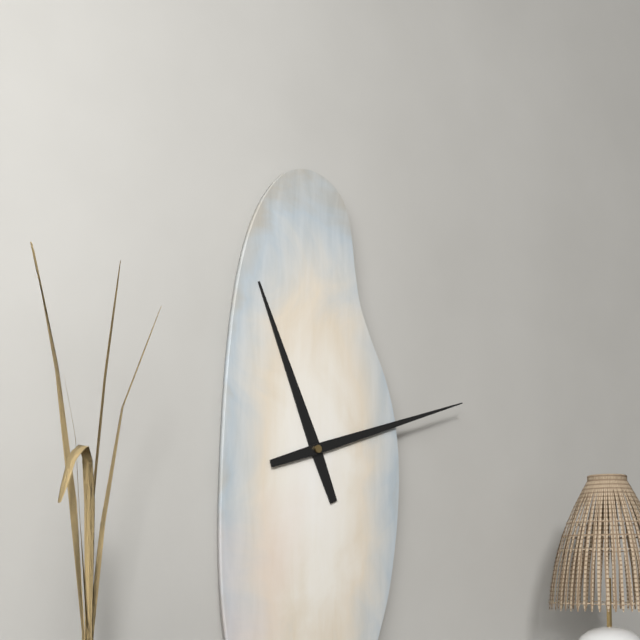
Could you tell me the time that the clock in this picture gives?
11:12
